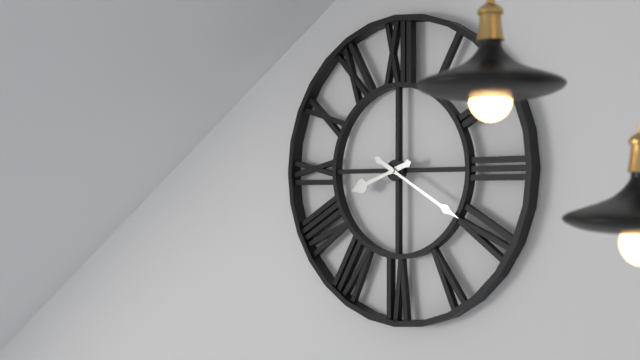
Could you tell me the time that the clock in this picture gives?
8:20
